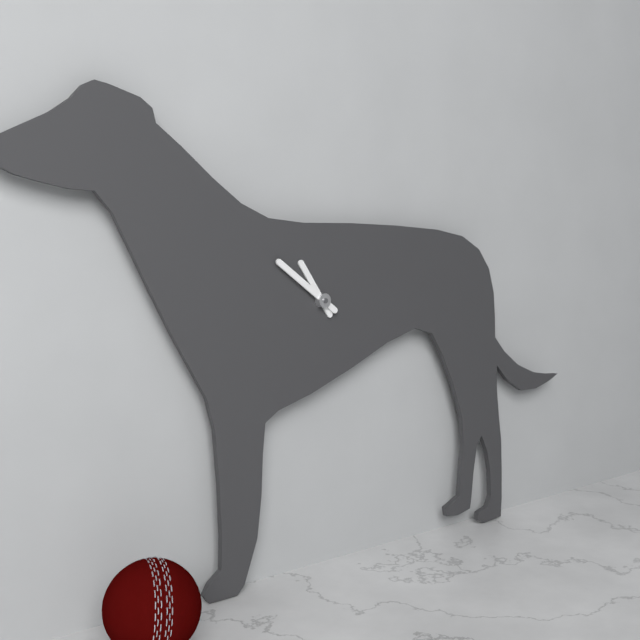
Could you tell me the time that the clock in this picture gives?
10:51
